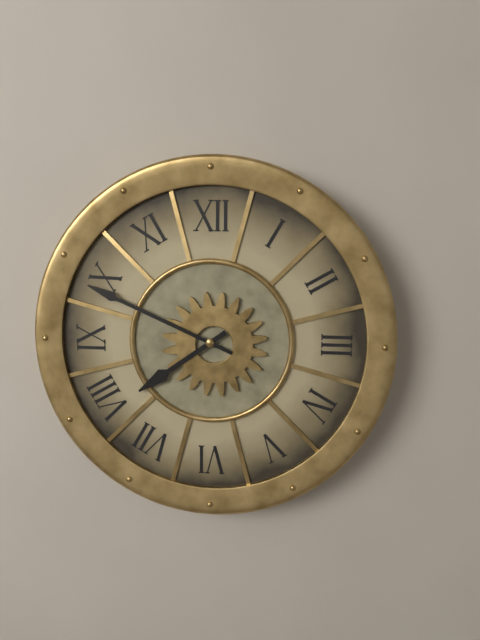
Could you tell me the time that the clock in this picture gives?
7:49
